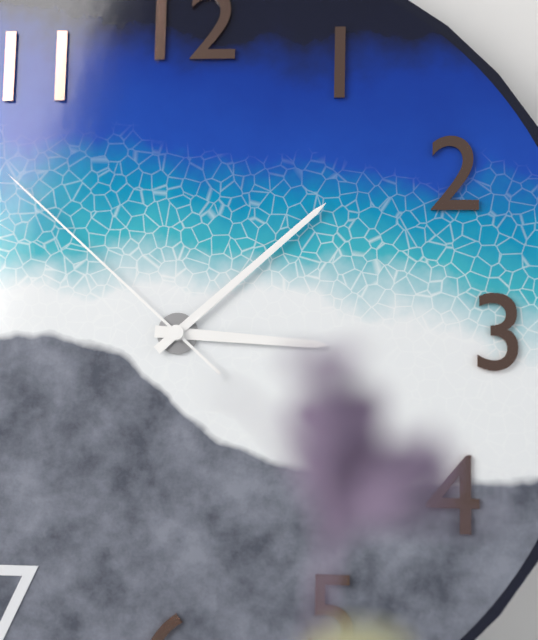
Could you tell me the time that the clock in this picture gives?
3:08:52
